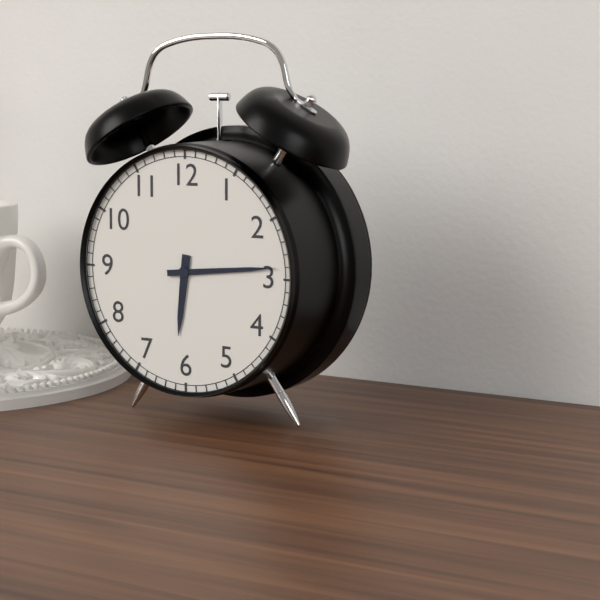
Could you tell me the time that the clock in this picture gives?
6:14
